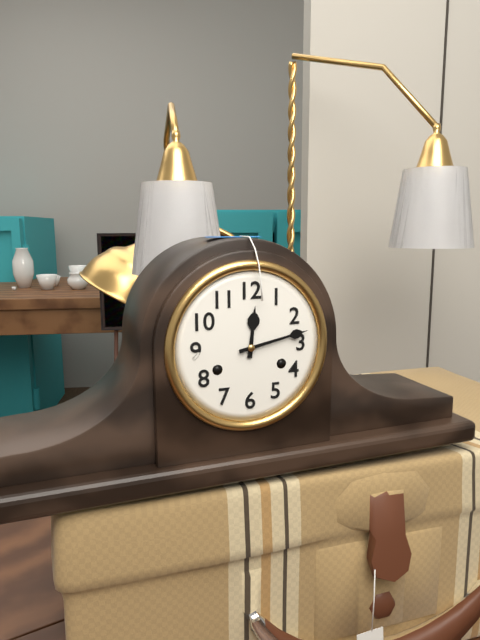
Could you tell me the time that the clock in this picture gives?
12:13
